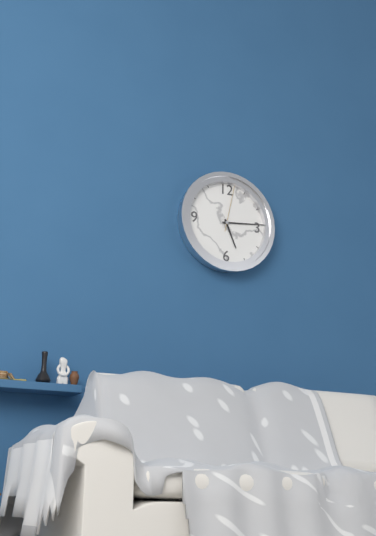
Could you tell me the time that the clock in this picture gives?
5:14
